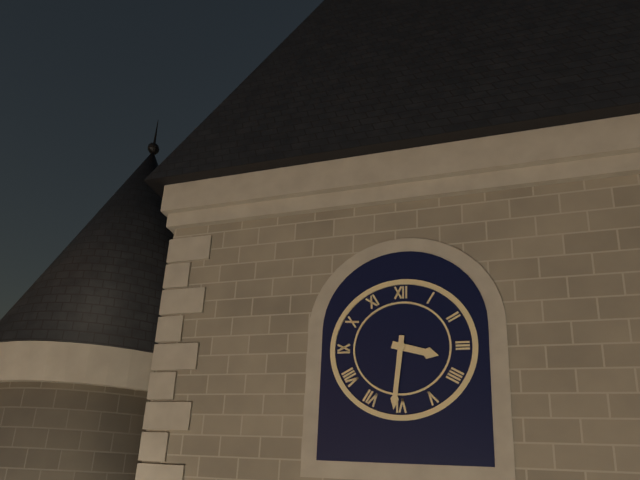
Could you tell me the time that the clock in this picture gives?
3:31
